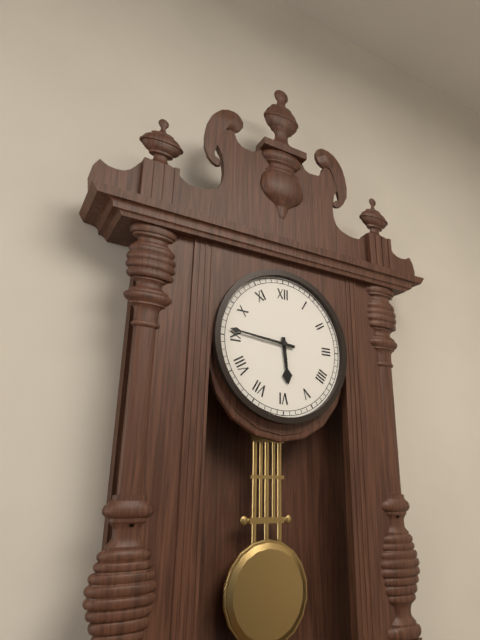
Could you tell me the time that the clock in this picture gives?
5:46
